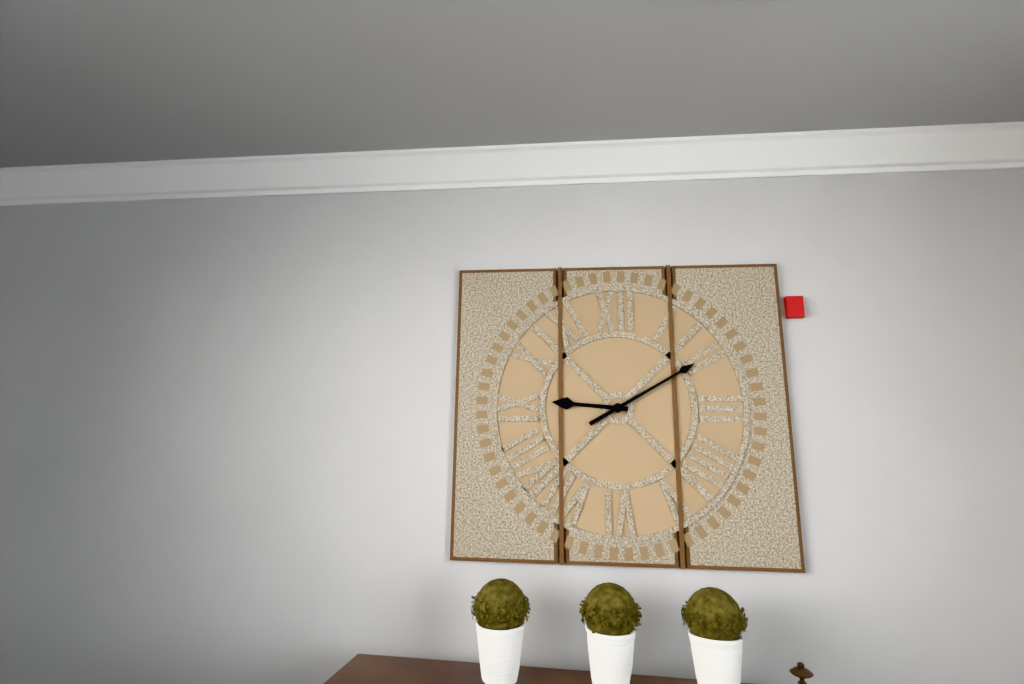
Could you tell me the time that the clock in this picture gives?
9:10
